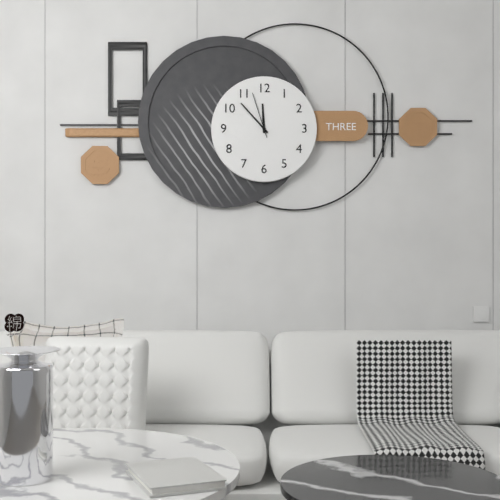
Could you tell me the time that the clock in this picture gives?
11:53
